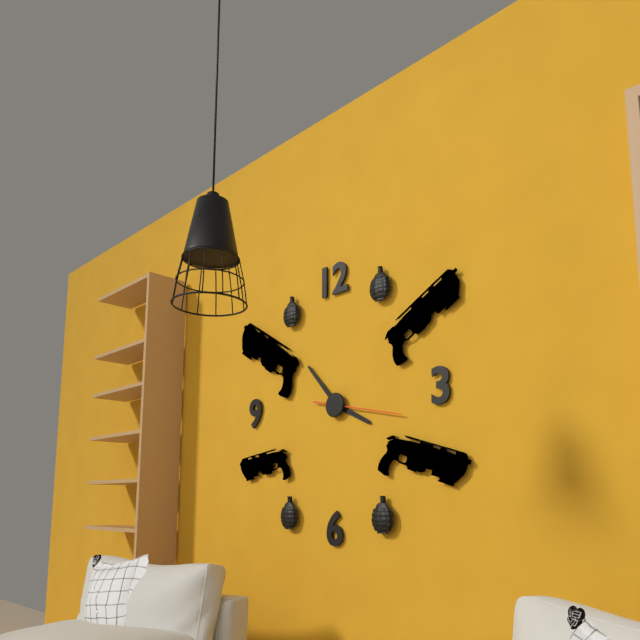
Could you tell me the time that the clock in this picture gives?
3:53:17
